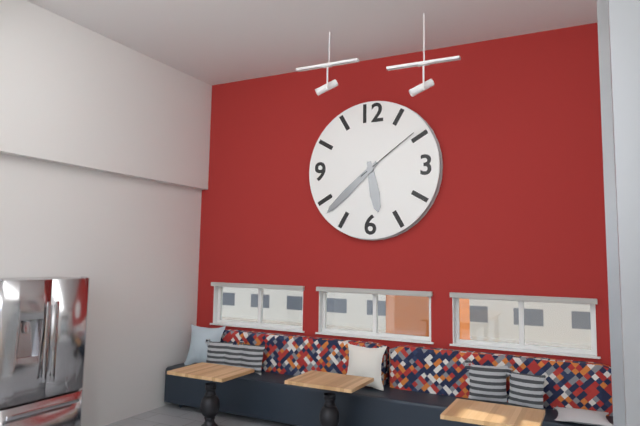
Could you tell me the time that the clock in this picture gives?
5:38:09
